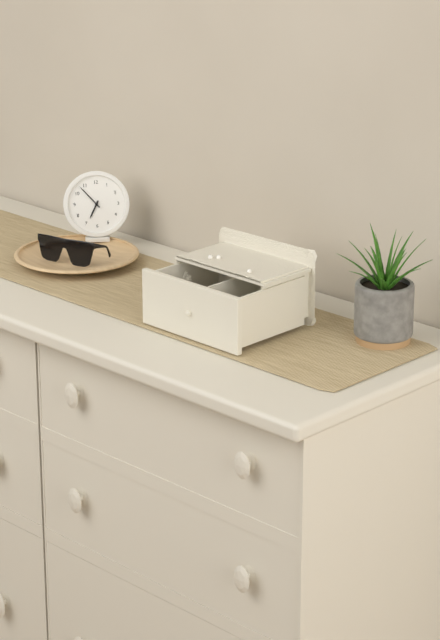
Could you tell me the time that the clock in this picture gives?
6:53
